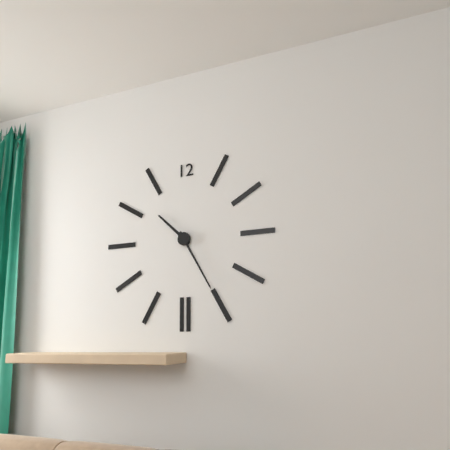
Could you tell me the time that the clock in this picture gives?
10:25
